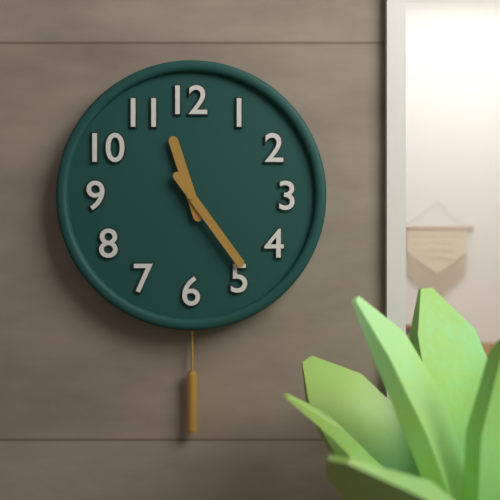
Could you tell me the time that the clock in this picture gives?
11:24
